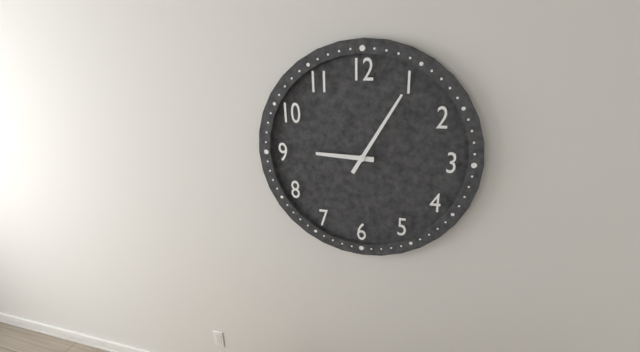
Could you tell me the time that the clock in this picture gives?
9:05
